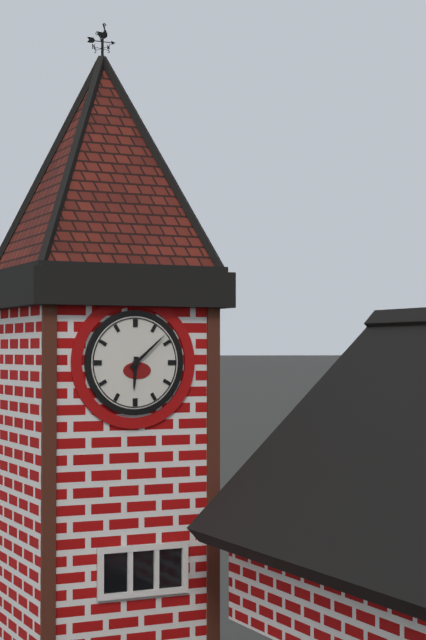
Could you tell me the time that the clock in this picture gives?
6:08
